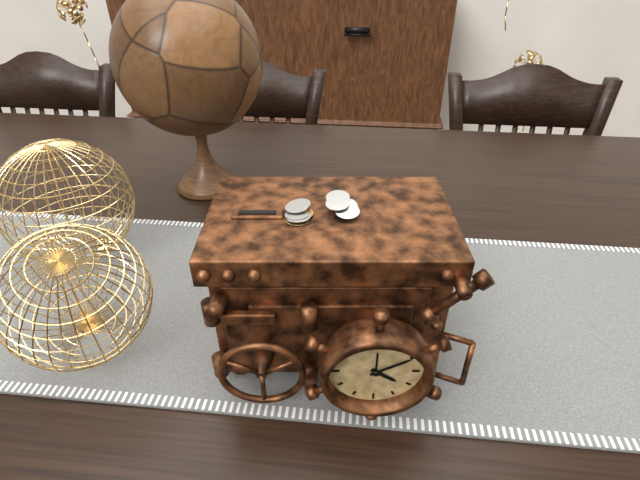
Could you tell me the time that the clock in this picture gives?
4:10
